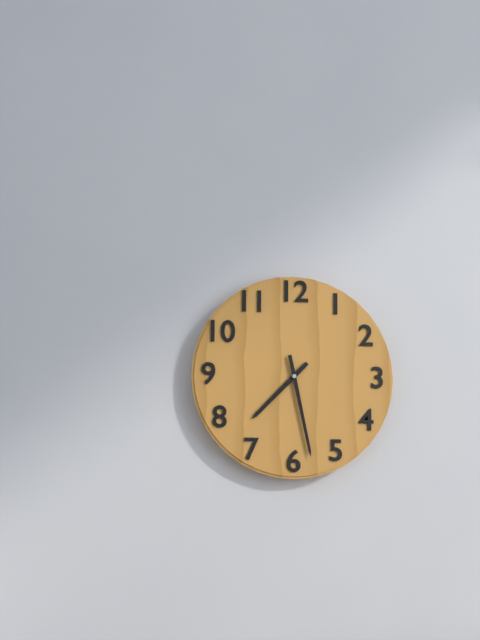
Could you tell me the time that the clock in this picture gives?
7:28
